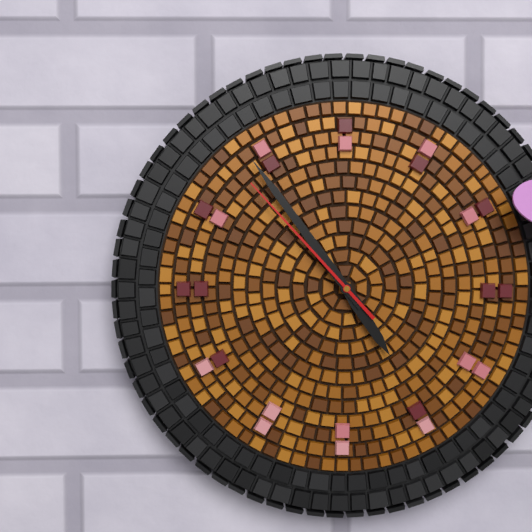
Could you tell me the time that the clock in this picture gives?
4:54:53
